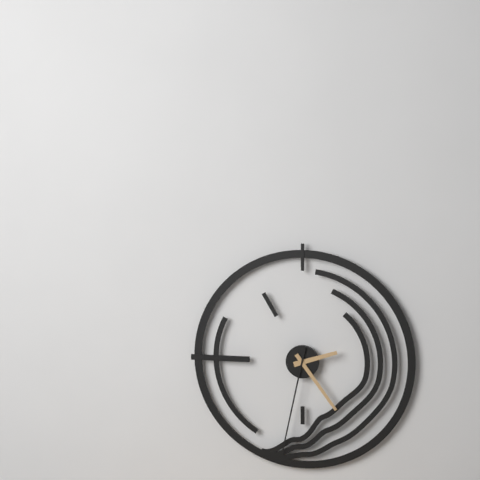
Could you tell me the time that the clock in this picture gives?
2:24:32
